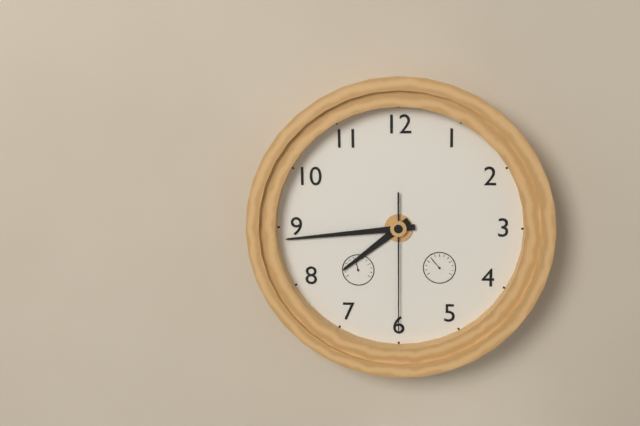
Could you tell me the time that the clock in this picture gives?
7:44:30
